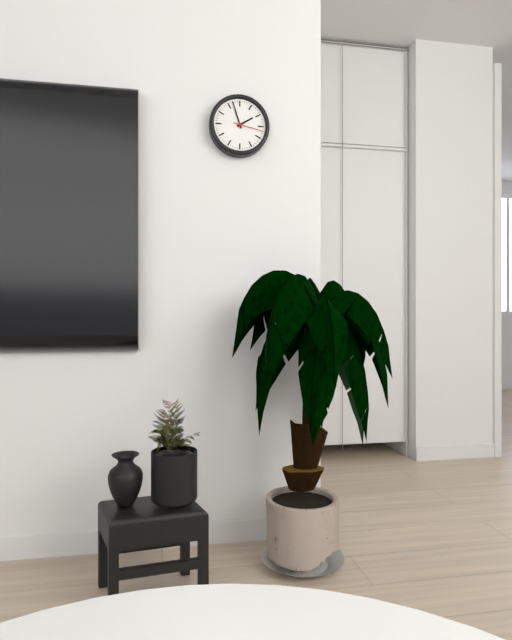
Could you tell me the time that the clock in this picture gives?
1:57
